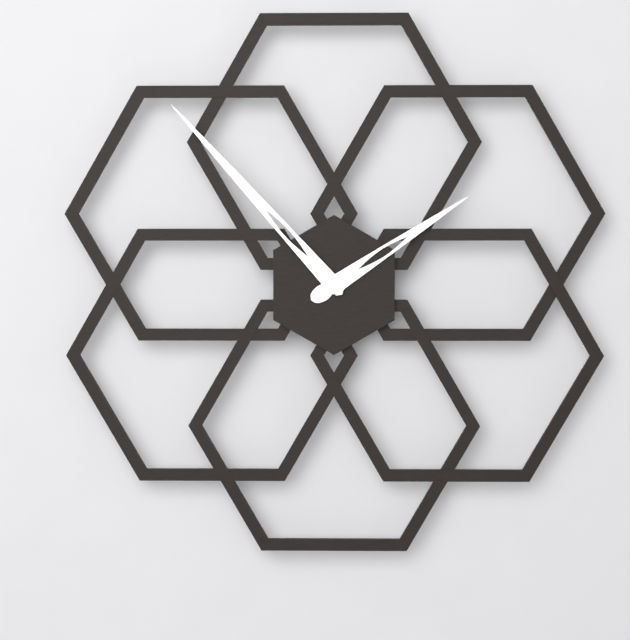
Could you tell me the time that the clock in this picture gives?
1:53
